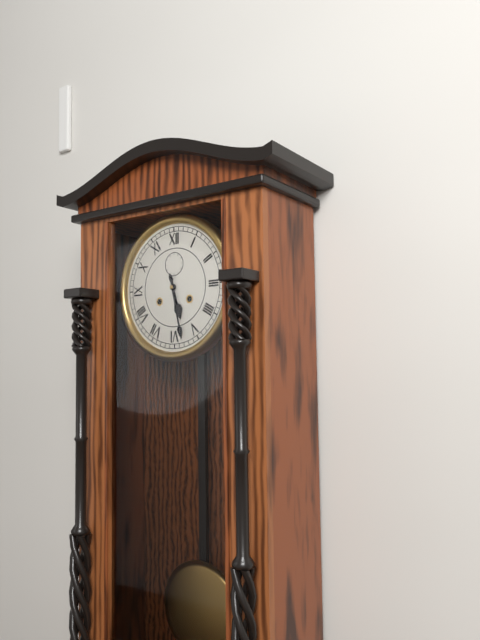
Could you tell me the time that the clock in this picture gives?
5:28
